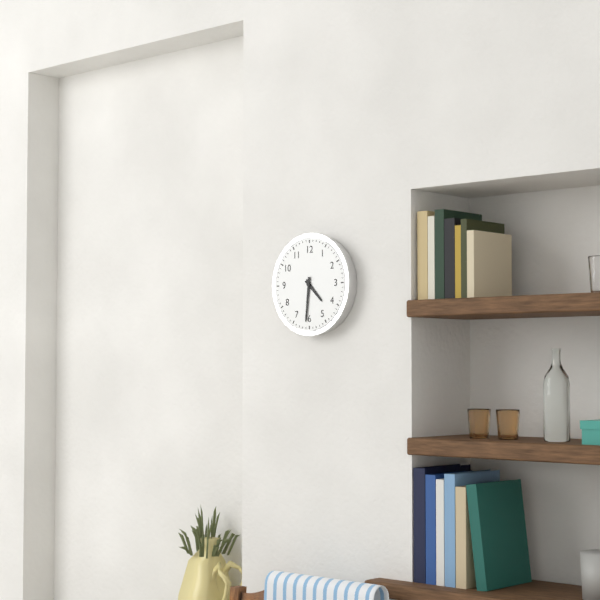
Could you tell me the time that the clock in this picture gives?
4:31
